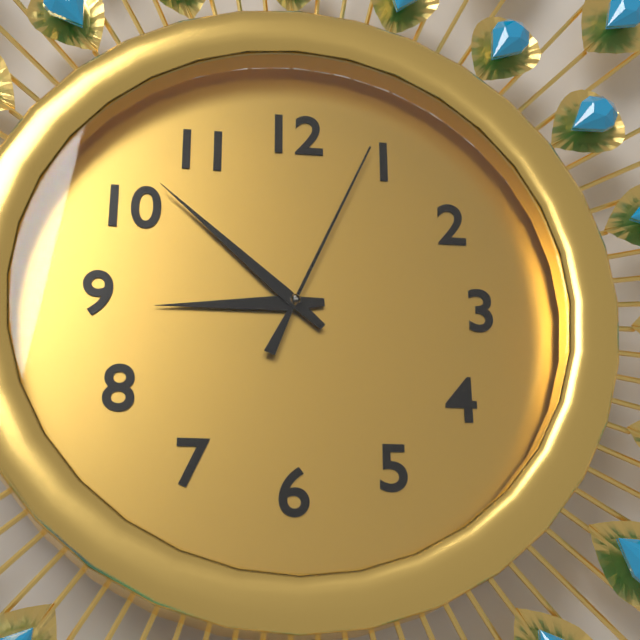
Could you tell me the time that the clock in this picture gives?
8:52:04
